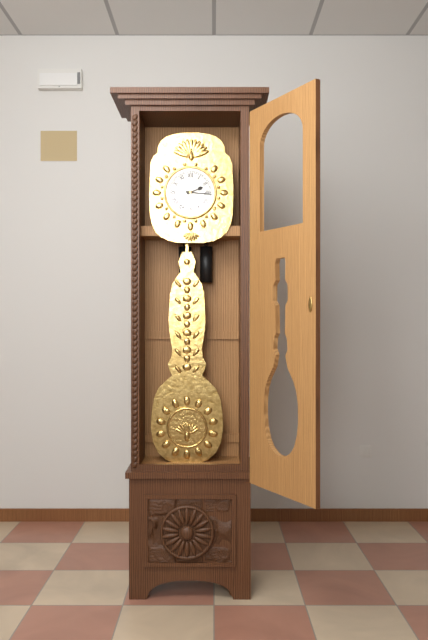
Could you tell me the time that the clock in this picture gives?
2:16
